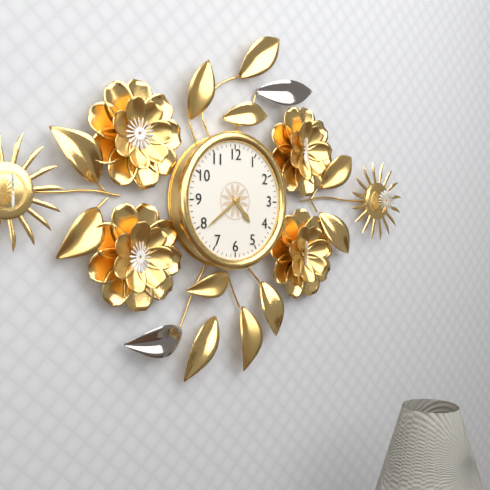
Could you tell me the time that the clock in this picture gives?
4:39
